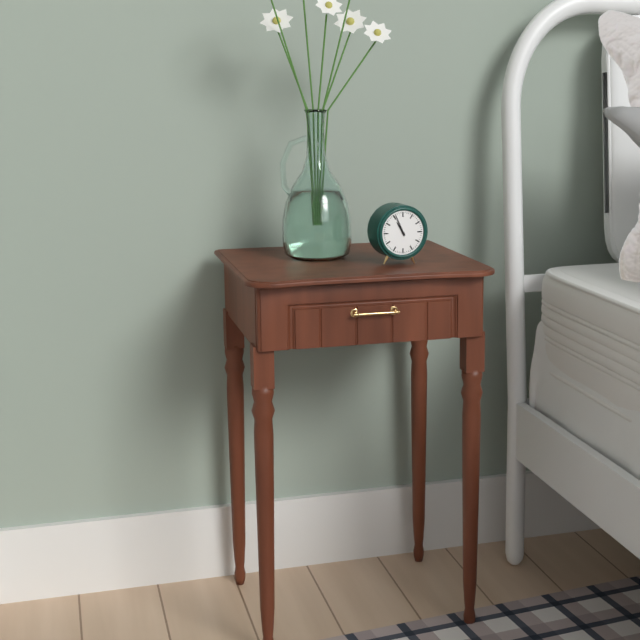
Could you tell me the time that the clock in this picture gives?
10:56
